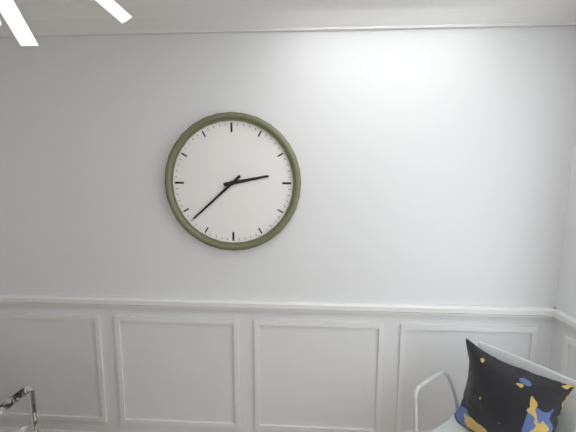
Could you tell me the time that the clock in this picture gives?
2:38
